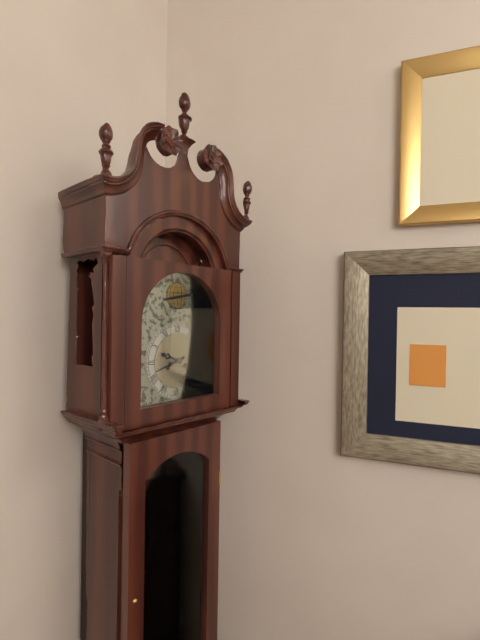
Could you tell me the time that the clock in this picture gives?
9:42
